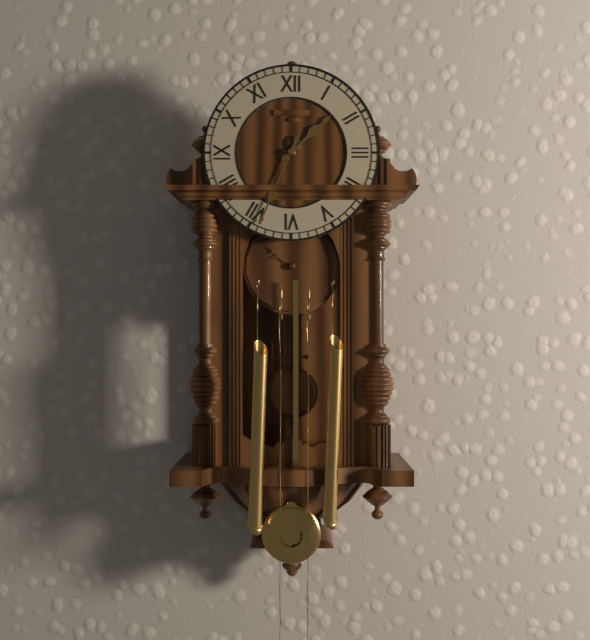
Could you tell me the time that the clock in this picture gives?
1:34
